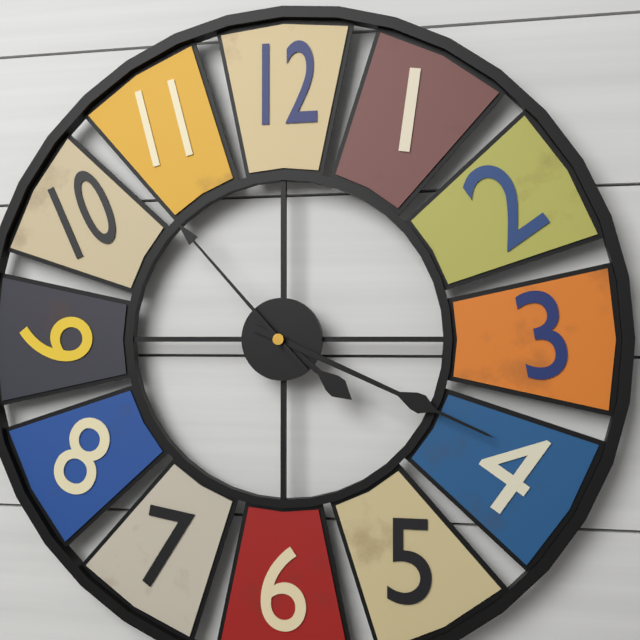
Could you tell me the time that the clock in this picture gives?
4:19:53
